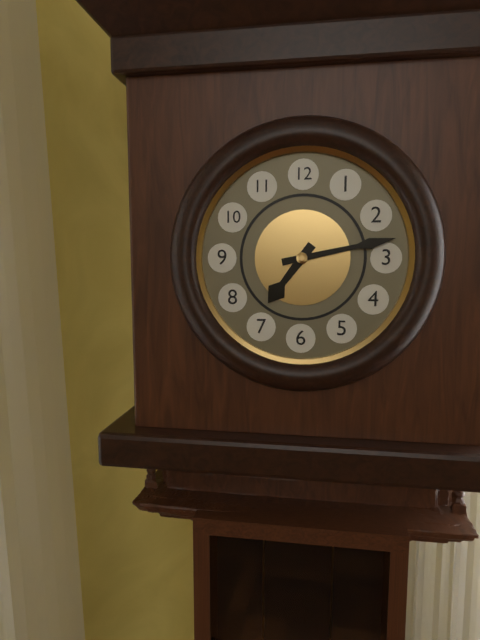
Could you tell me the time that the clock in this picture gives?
7:13
